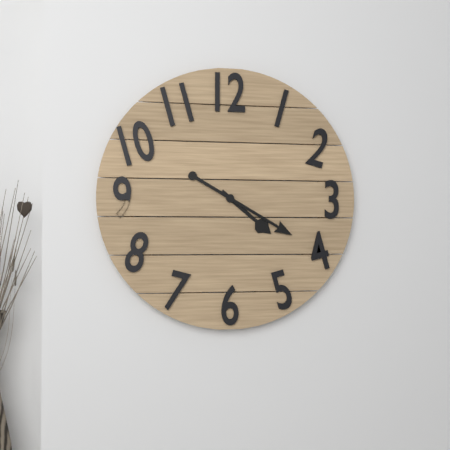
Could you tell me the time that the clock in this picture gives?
4:20
